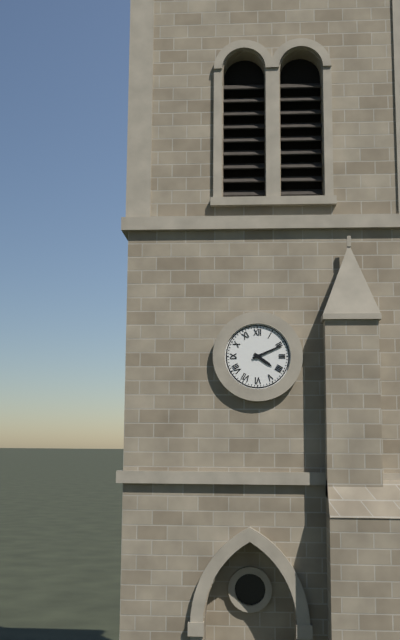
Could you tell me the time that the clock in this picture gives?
4:11
